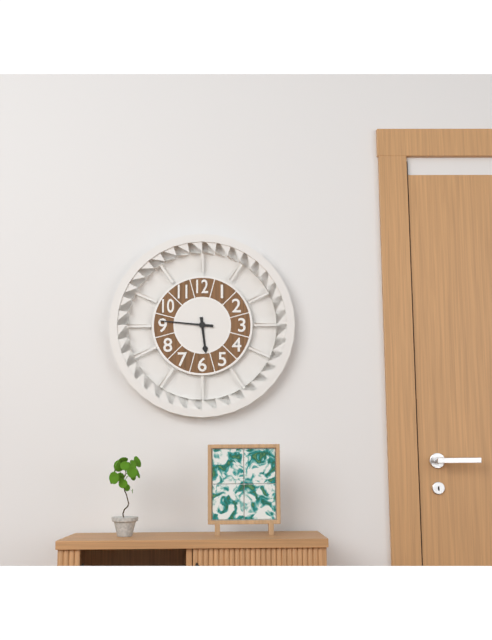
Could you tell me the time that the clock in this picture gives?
5:46
